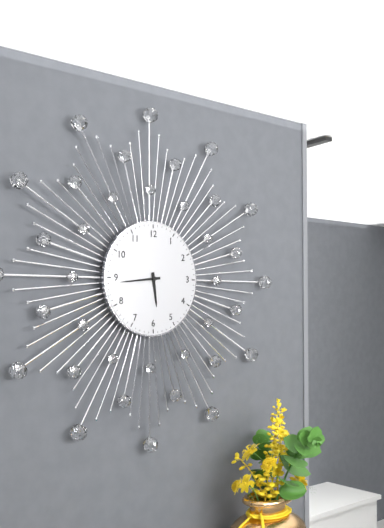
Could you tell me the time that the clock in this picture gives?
5:44
